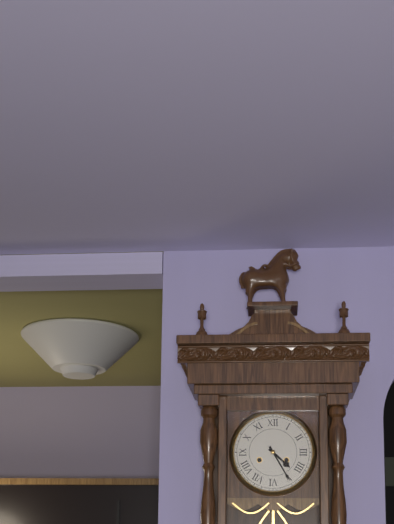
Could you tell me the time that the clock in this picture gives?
4:25
